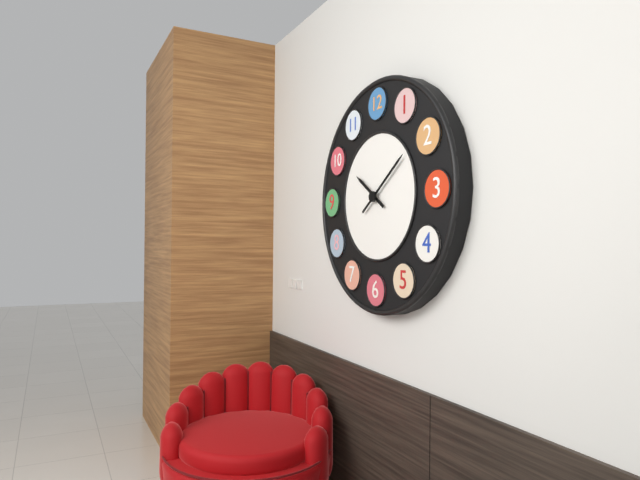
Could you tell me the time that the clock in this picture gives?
10:09
